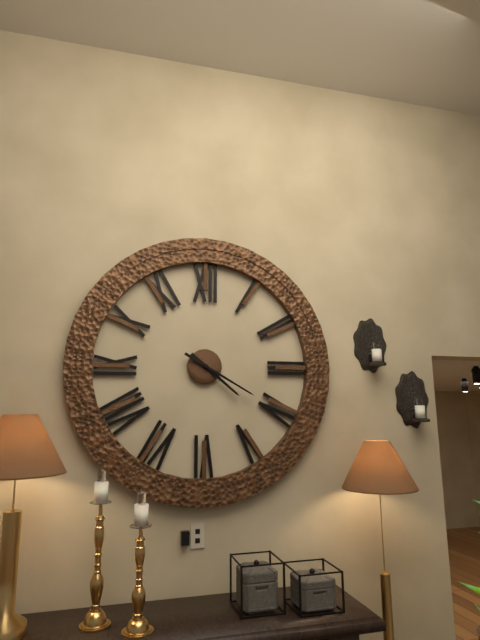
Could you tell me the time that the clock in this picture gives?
4:20
